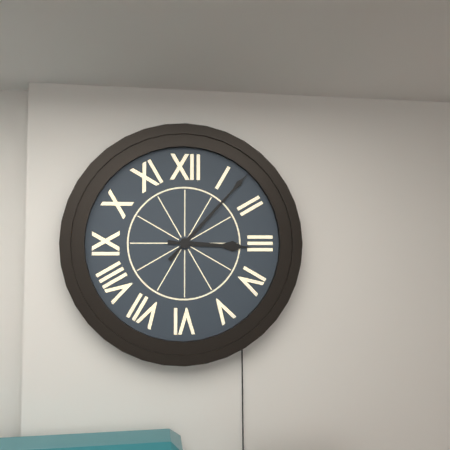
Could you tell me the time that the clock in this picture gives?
3:07
